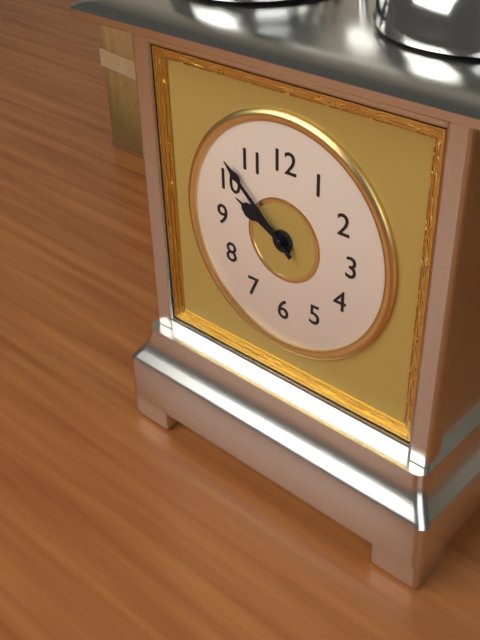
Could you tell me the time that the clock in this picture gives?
9:52
